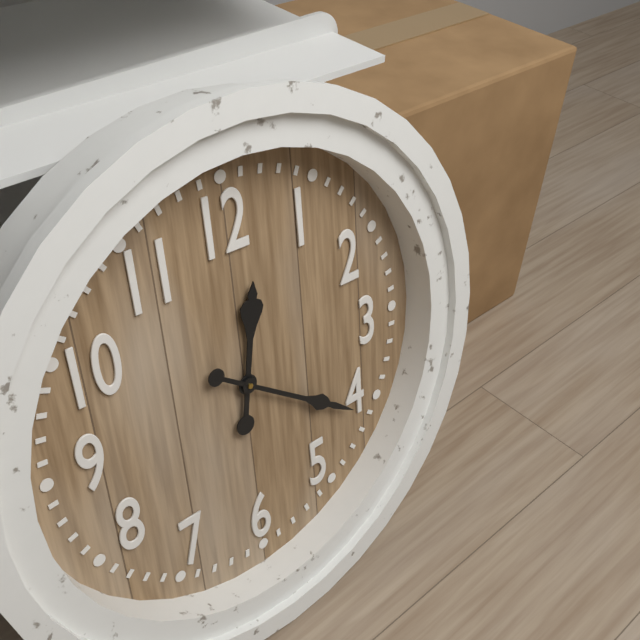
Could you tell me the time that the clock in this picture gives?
12:21
